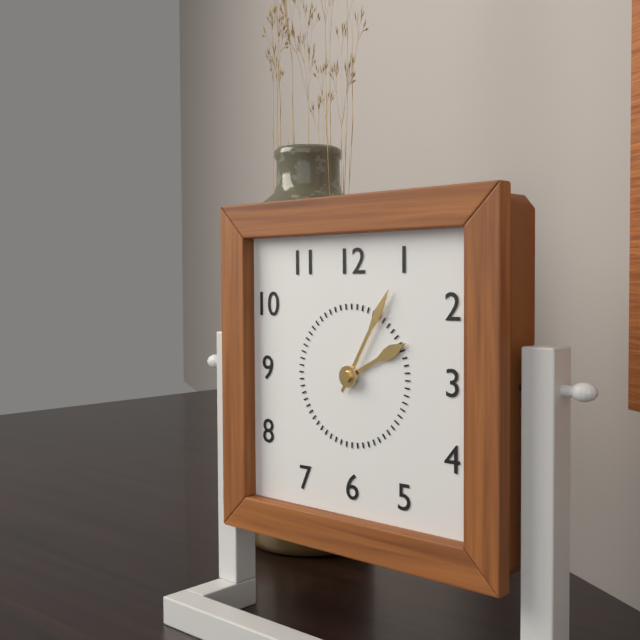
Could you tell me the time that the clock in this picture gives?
2:05
